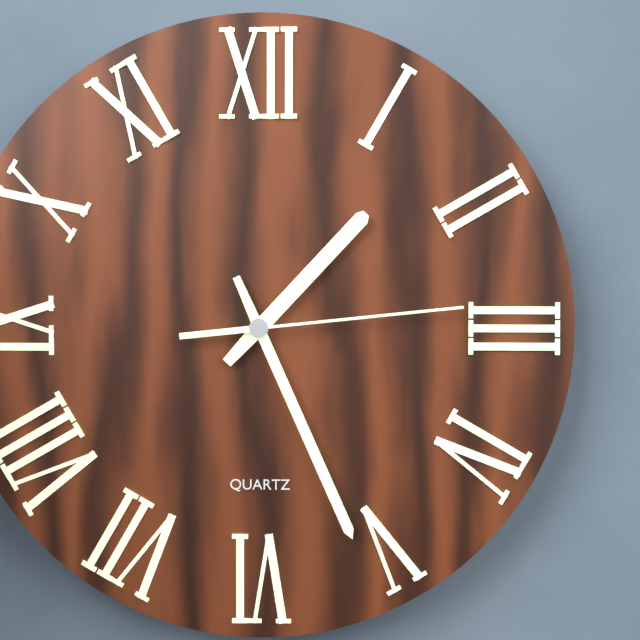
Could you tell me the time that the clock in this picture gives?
1:26:14
